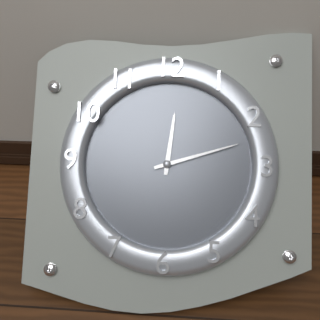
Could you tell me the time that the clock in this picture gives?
12:12
